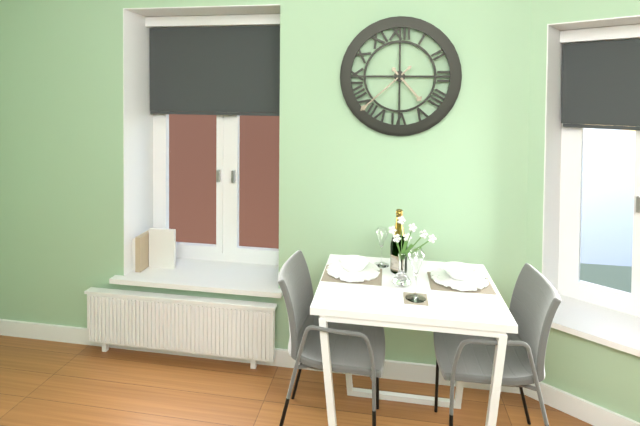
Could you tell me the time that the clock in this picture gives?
4:38
